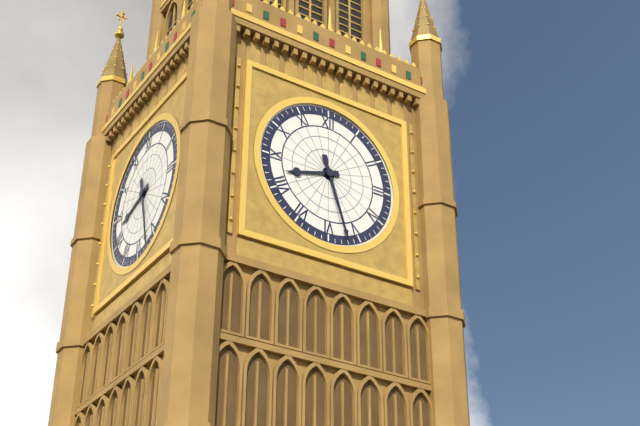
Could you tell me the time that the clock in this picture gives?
8:27
